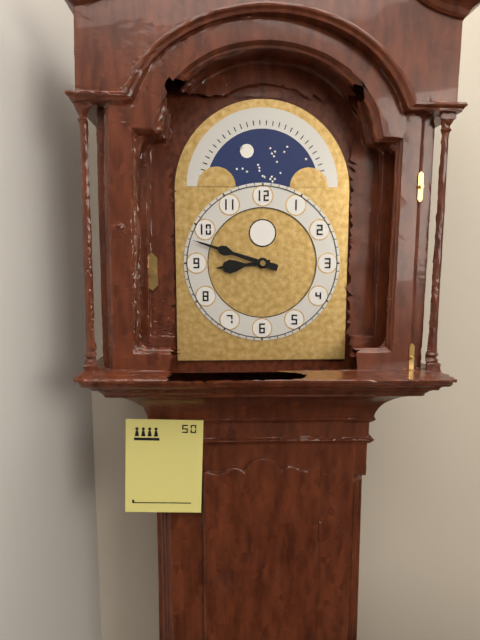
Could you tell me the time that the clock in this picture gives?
8:48
